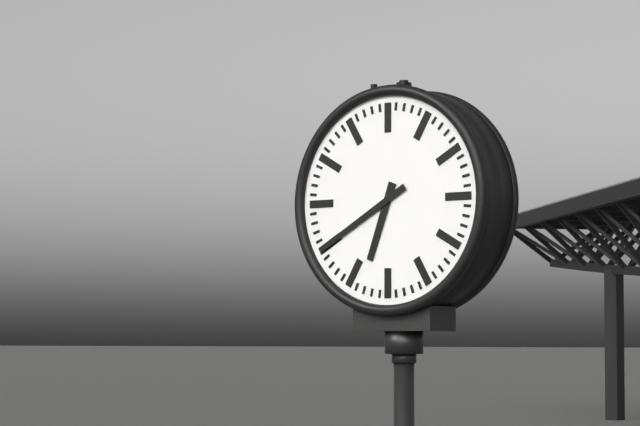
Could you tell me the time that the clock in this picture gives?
6:40
